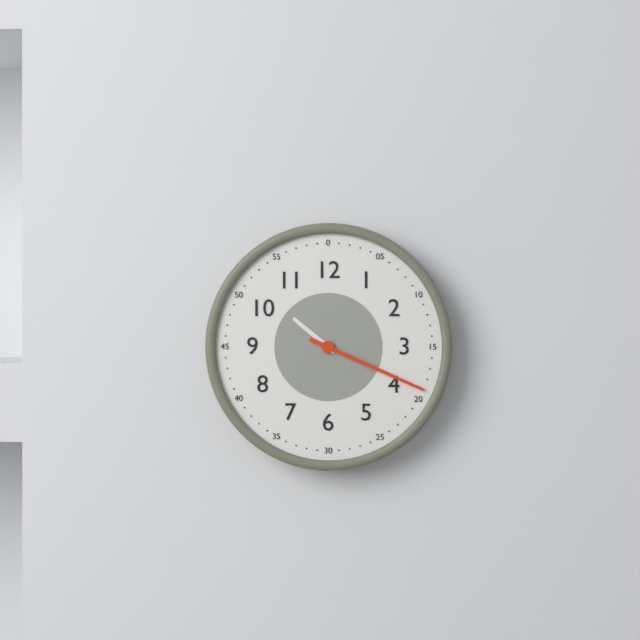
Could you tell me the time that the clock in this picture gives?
10:19
